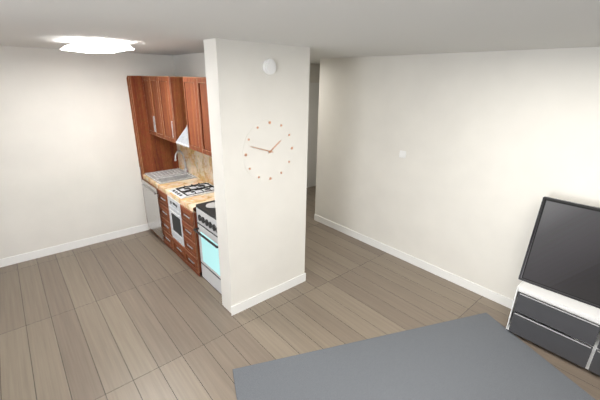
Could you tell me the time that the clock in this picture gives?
1:48
